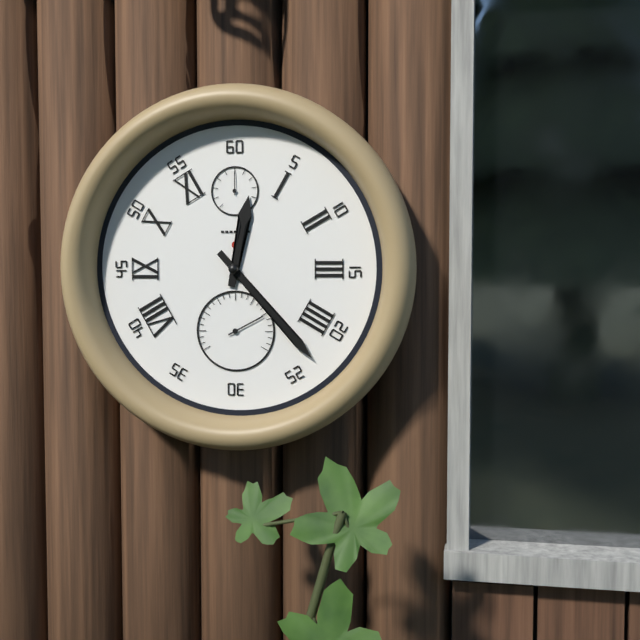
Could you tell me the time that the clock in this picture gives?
12:23
